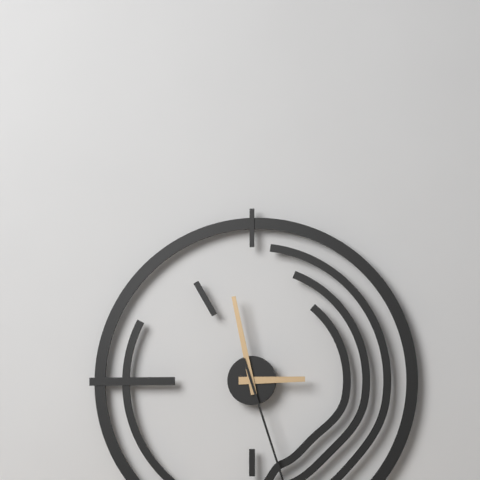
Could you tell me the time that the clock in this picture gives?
2:58
